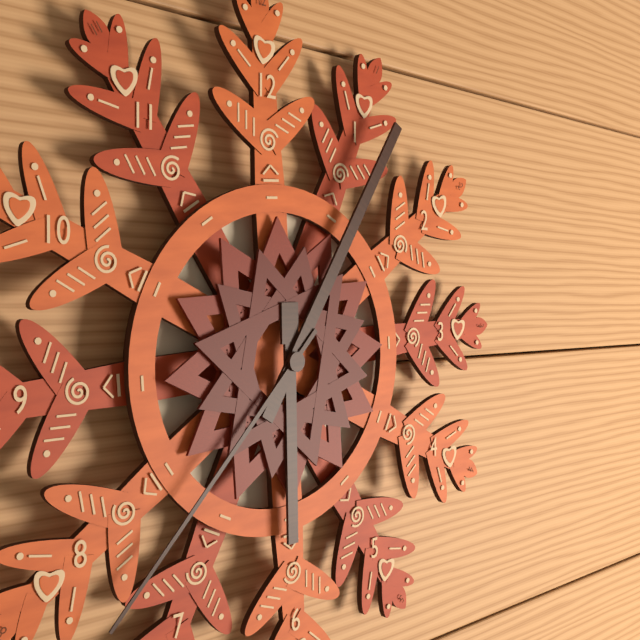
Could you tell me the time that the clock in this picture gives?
6:06:38
